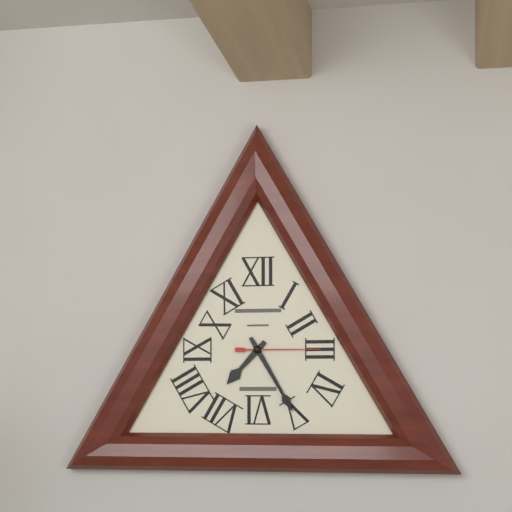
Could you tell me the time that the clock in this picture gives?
7:25:15
